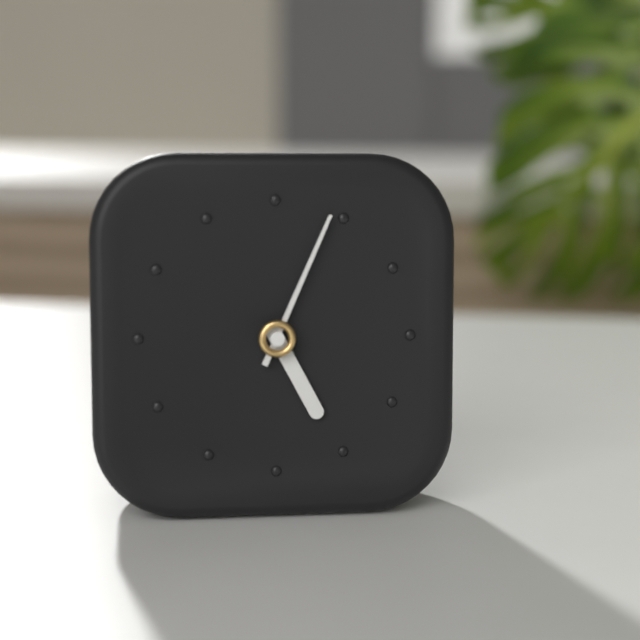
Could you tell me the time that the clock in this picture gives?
5:04
